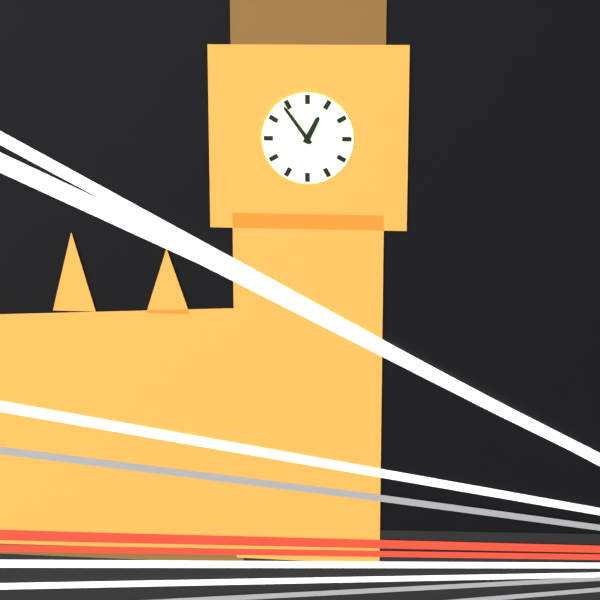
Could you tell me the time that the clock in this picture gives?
12:54
